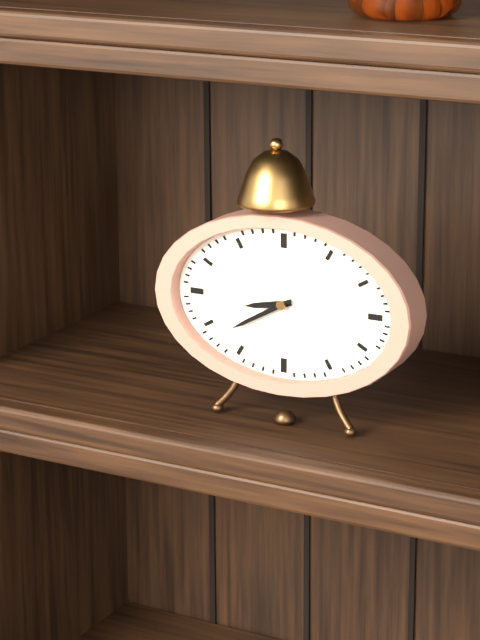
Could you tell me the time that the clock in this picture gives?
8:40
